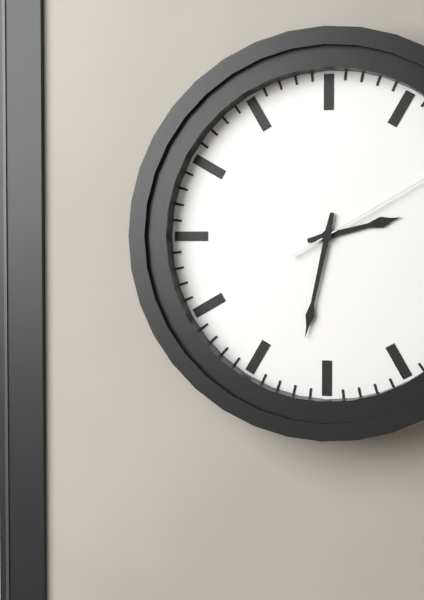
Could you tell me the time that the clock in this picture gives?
2:32
